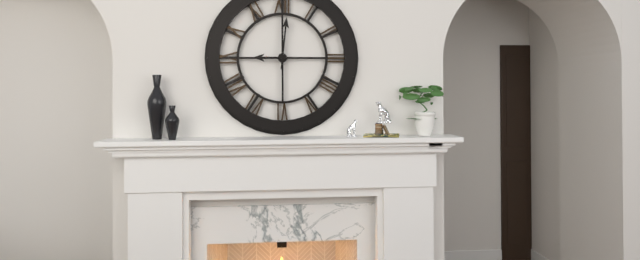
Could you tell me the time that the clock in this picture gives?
9:01
